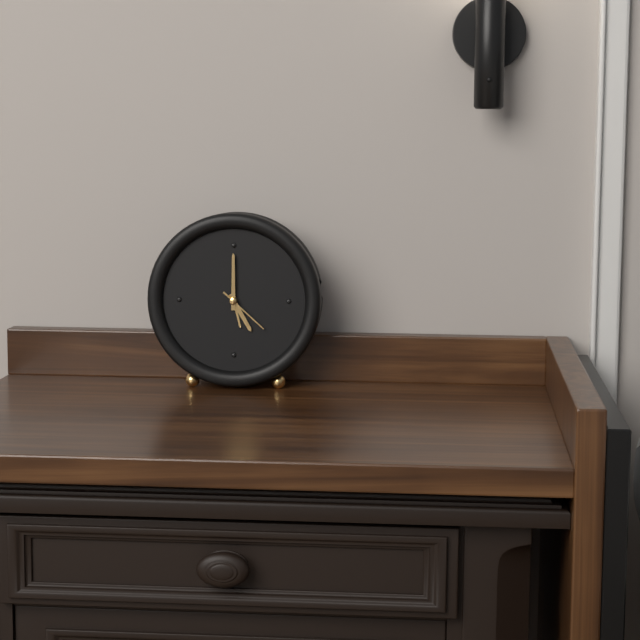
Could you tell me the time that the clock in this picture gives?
5:00:22
